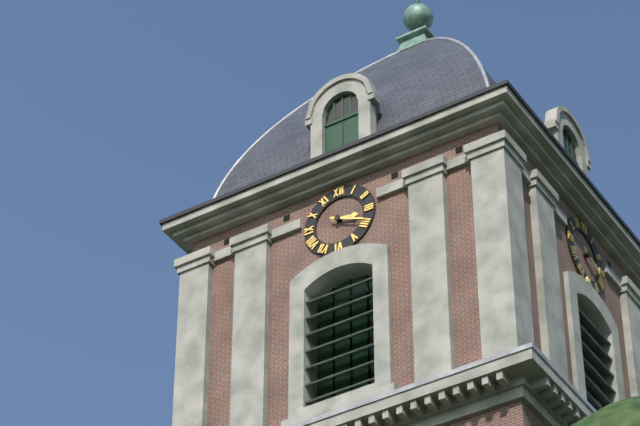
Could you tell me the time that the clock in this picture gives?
3:19
